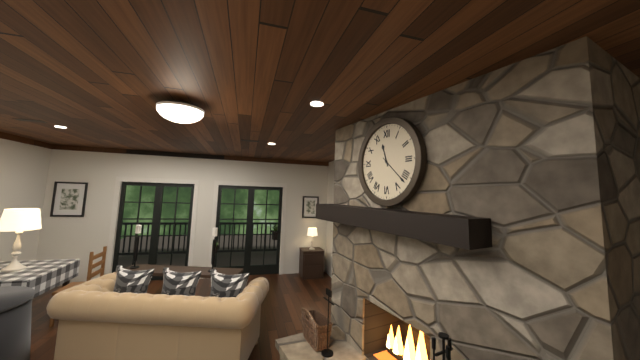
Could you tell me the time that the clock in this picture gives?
11:22
